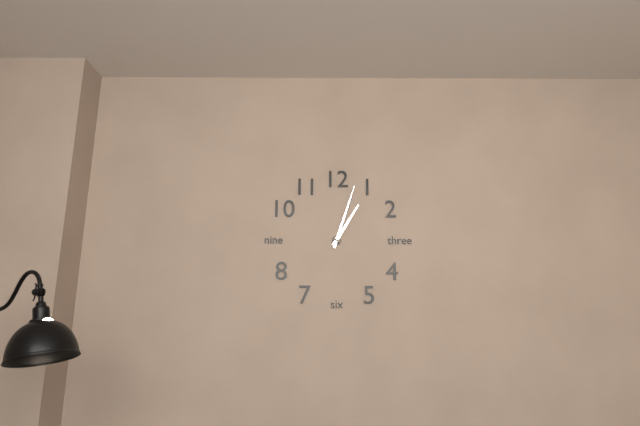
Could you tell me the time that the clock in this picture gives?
1:03
